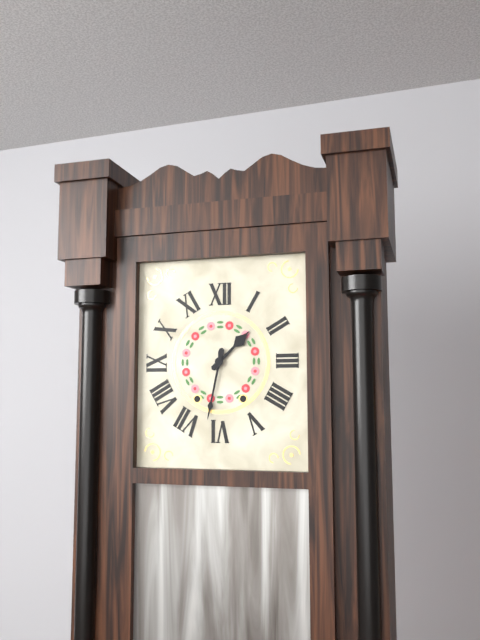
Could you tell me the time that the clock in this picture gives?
1:32
